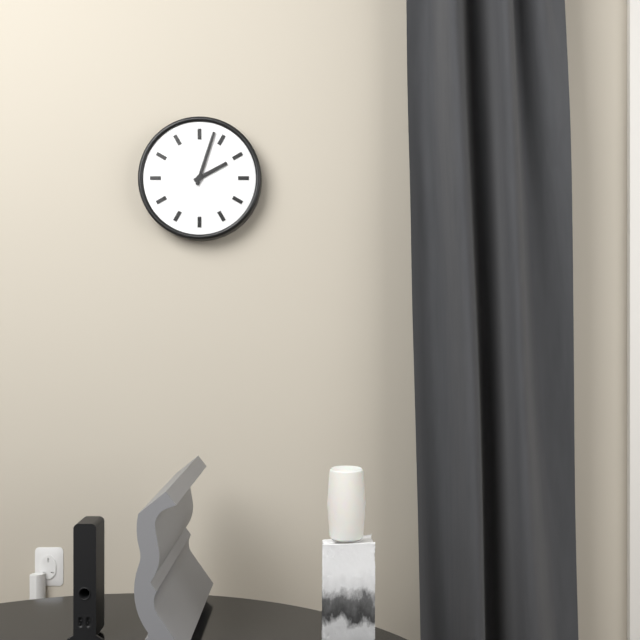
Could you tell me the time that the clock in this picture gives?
2:03
